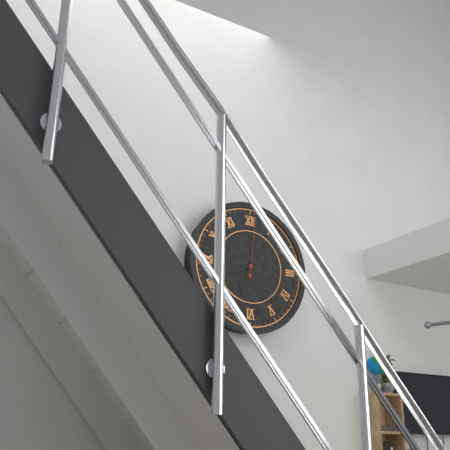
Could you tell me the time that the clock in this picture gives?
6:41:01
